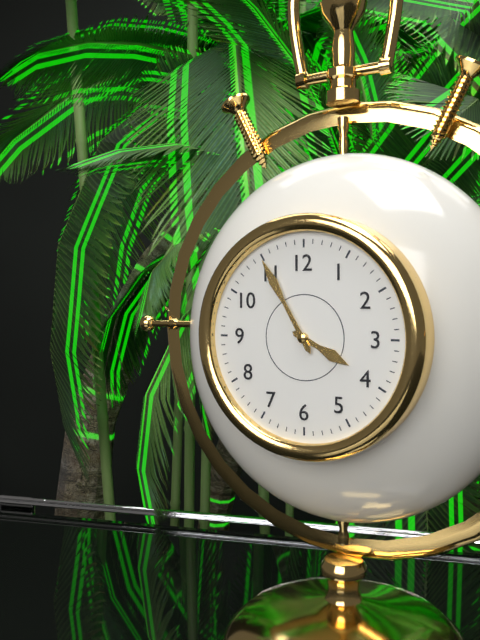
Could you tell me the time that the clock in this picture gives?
3:55
